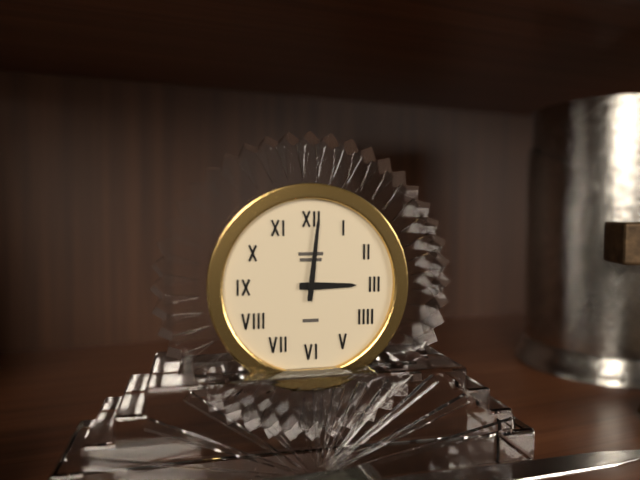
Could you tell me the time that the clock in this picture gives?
3:01
